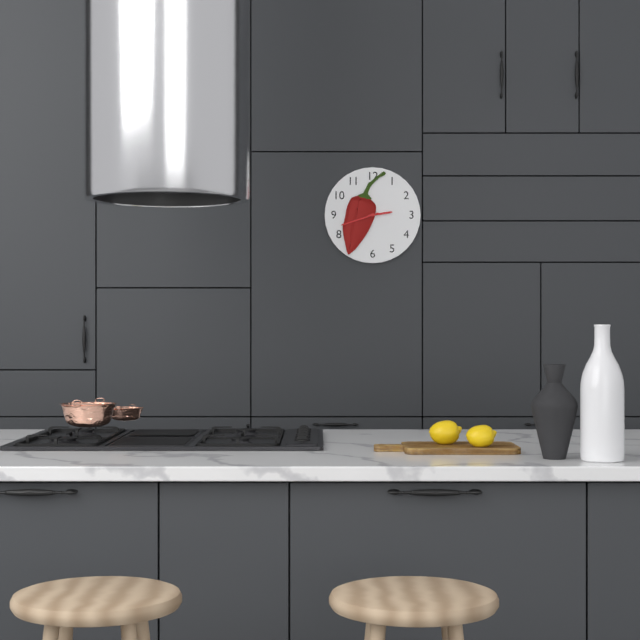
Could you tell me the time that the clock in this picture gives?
2:42
